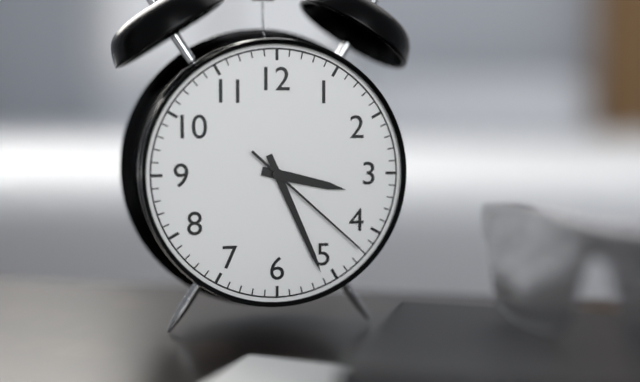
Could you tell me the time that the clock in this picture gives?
3:26:22
